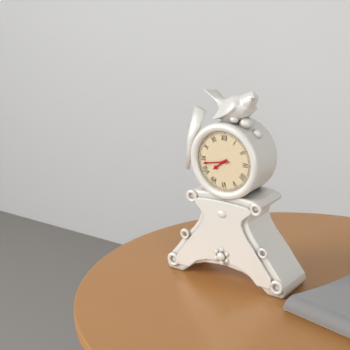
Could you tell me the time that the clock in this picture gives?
7:43
